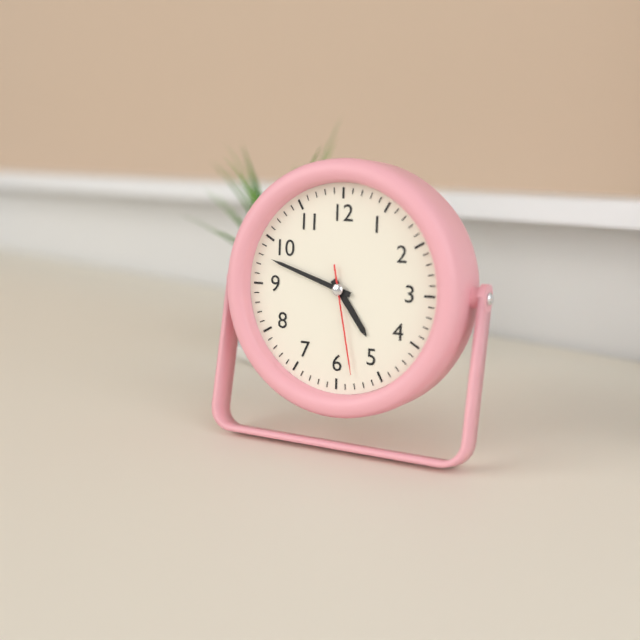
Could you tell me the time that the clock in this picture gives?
4:48:28
